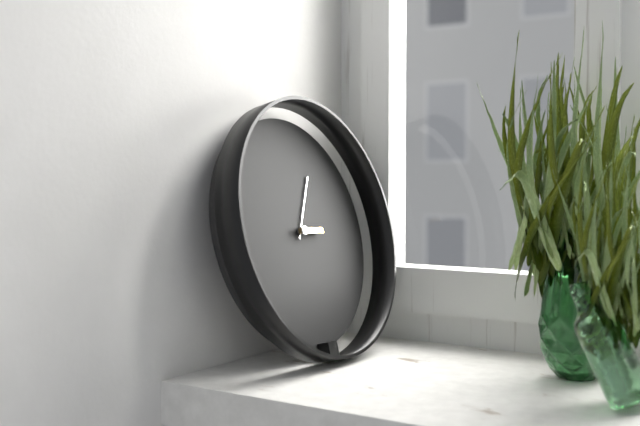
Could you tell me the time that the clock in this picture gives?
3:05
